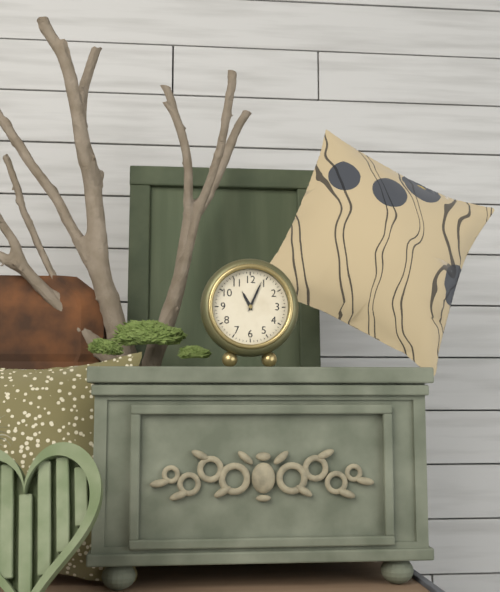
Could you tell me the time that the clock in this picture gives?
11:04
